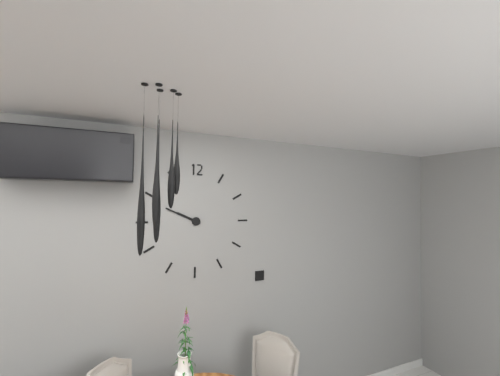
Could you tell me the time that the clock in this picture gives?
9:49
